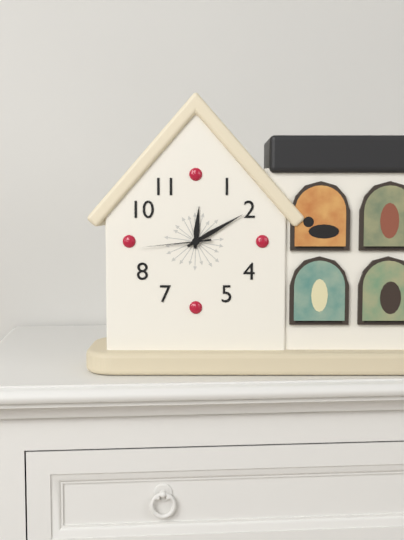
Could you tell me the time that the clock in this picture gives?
12:10:44
